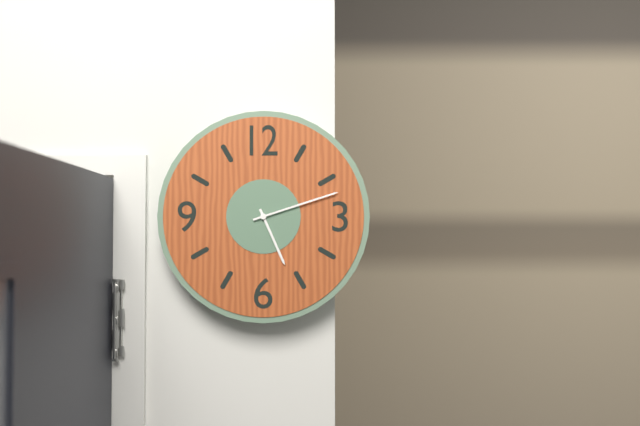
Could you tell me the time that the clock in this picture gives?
5:12
